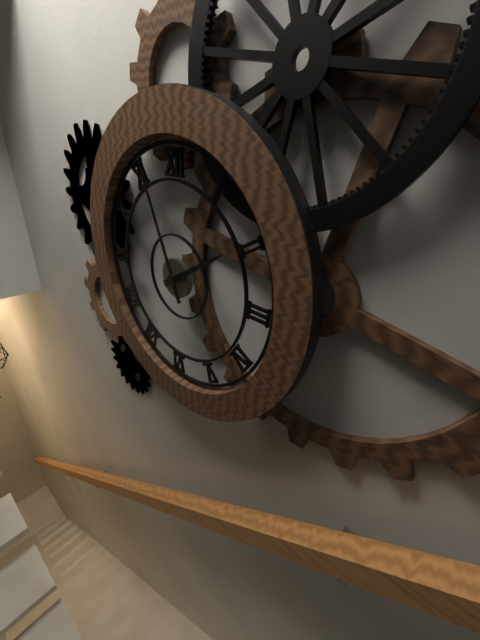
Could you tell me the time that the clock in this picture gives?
1:56
